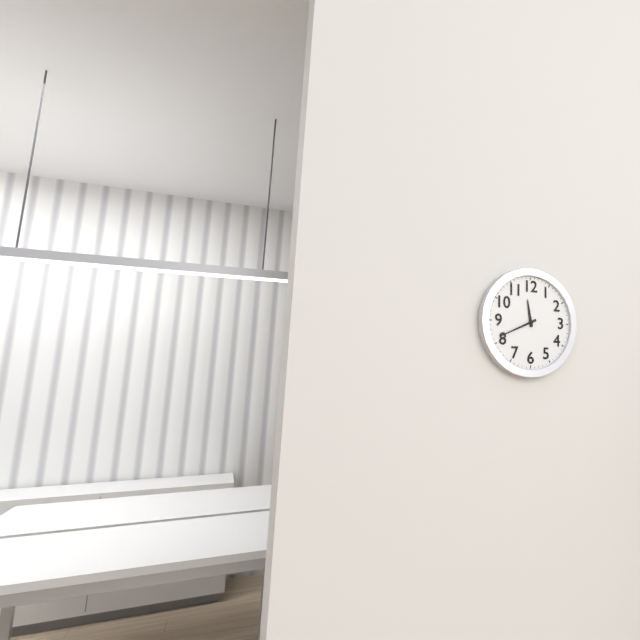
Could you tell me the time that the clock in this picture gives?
11:41
